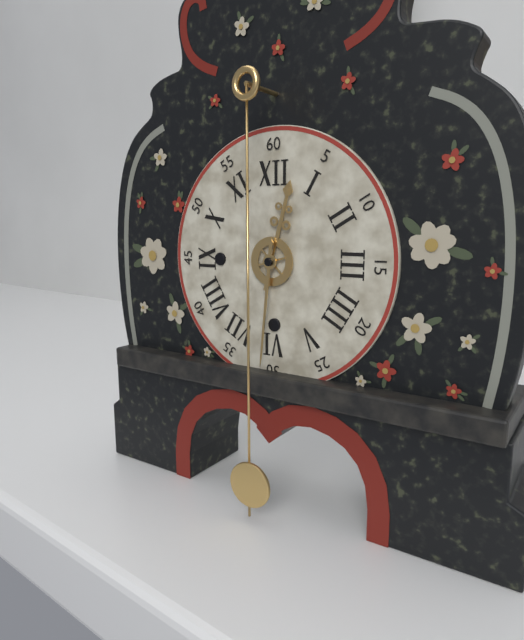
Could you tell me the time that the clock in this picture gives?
12:31
